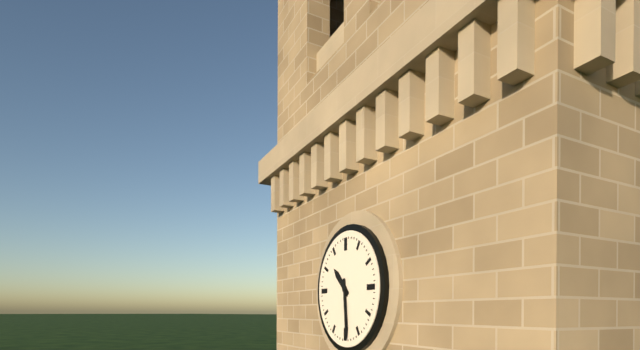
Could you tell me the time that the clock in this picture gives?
10:29
